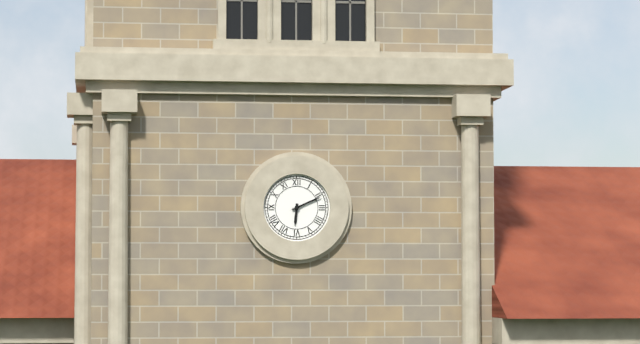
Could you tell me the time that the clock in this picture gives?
6:11
